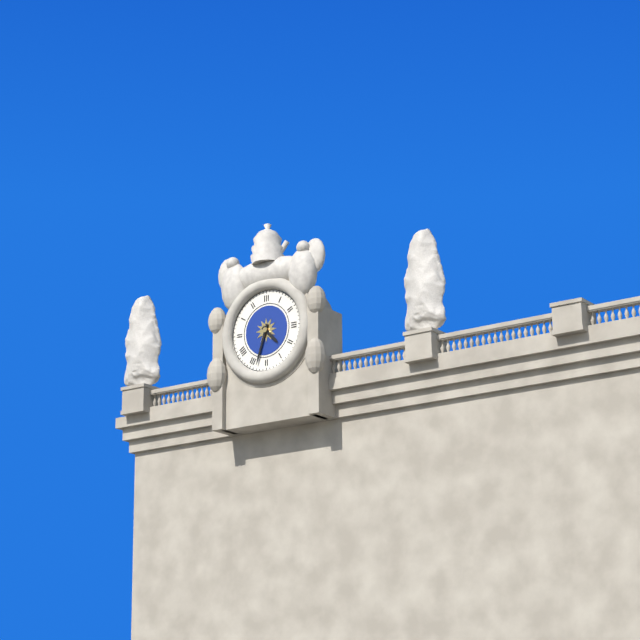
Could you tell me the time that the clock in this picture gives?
4:33
